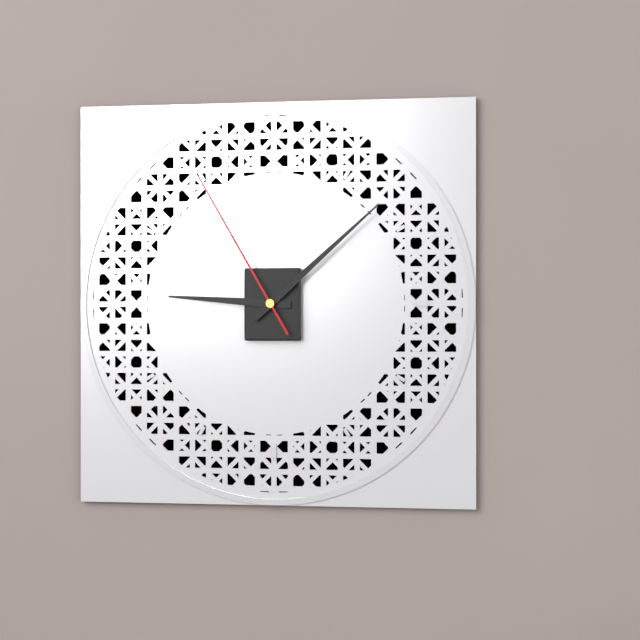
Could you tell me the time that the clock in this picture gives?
9:08:55
